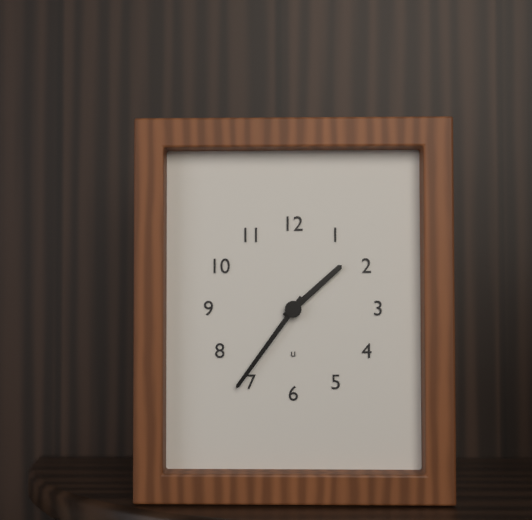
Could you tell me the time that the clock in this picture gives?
1:36
